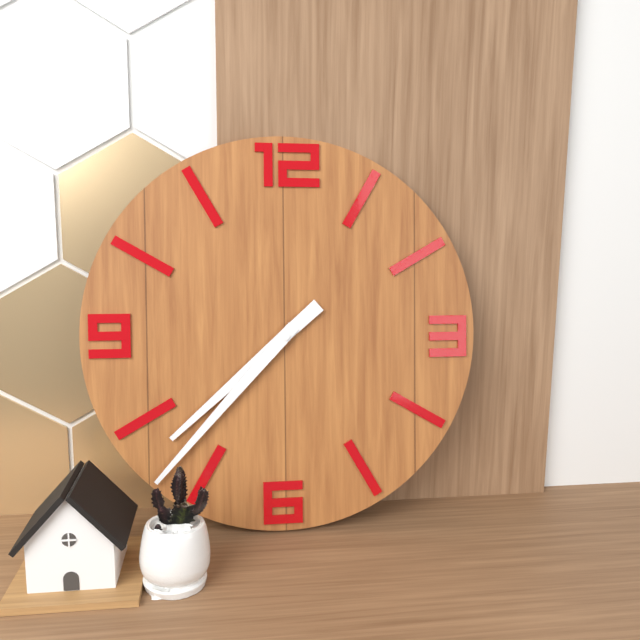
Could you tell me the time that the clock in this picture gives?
7:37
